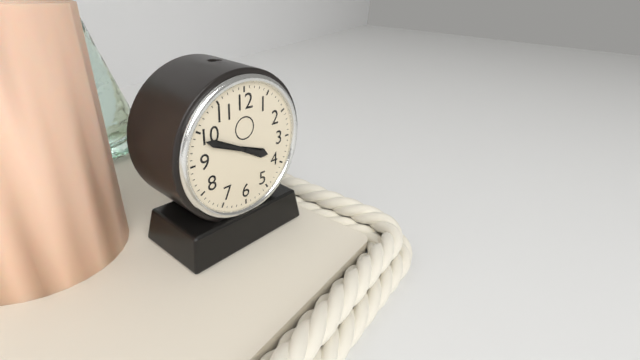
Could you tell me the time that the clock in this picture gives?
3:49
